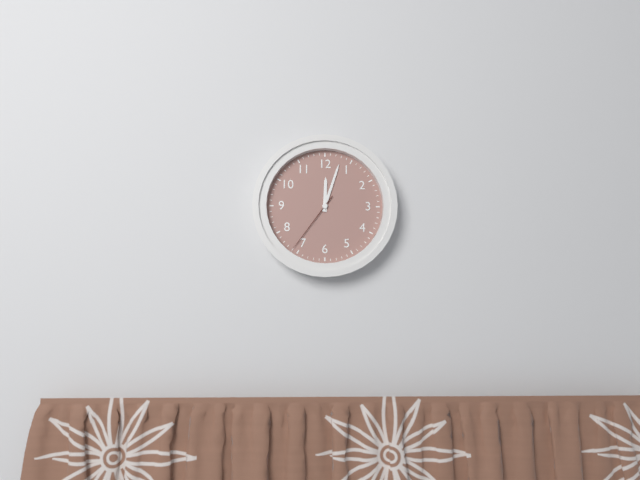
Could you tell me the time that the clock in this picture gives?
12:03:36
